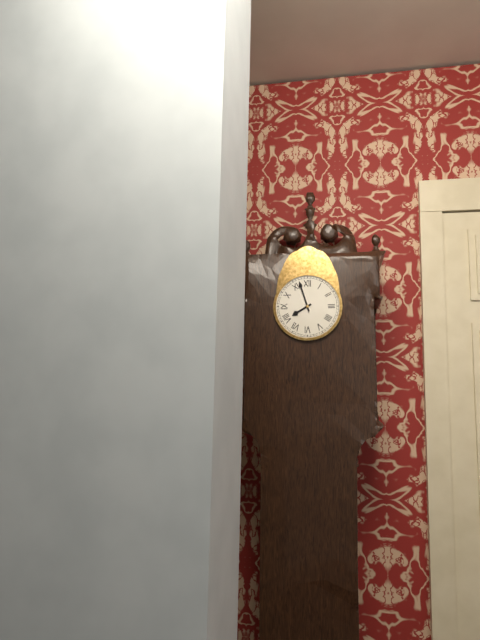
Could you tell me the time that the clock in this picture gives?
7:57
